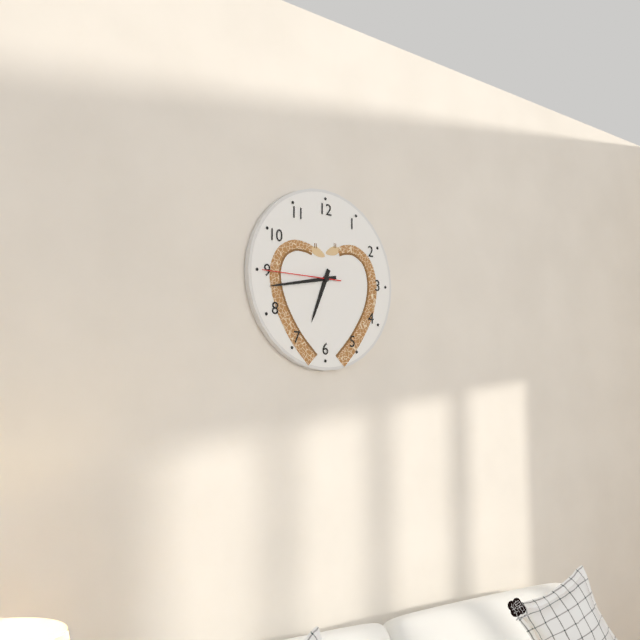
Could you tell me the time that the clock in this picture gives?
6:43:45
